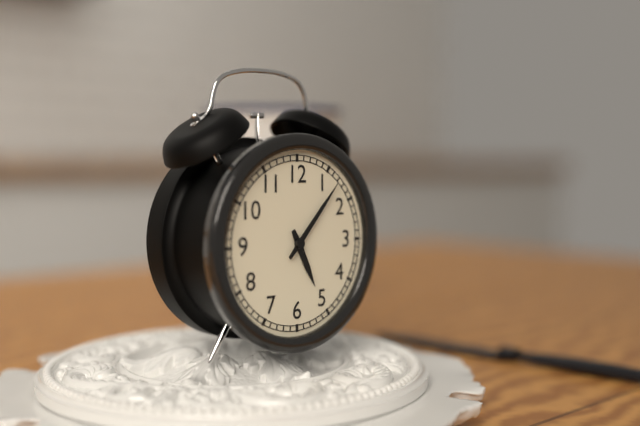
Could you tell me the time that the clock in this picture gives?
5:07
